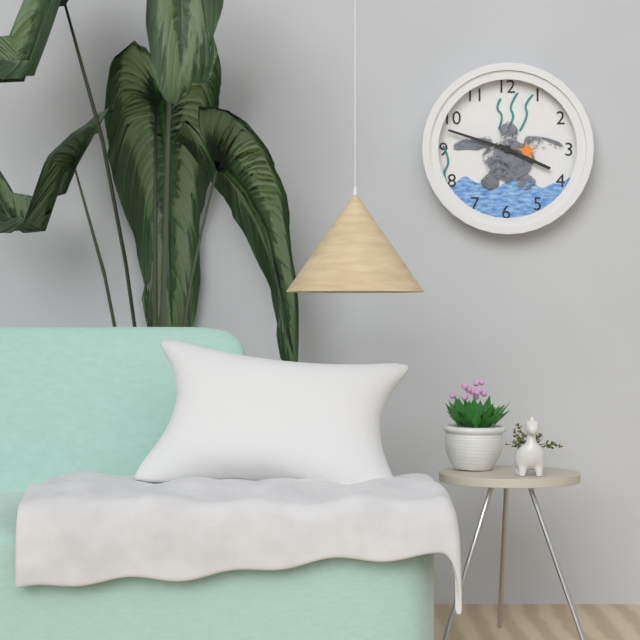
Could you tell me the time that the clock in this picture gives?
3:48
